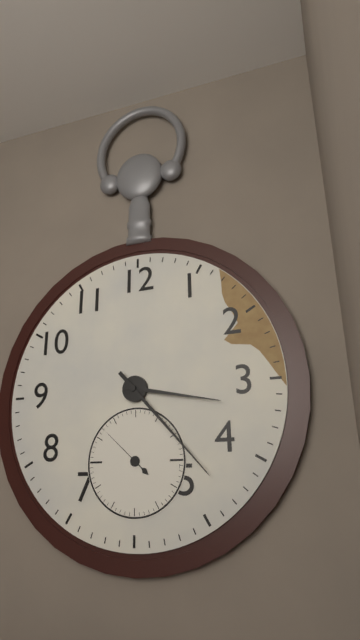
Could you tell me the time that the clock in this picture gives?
3:23
